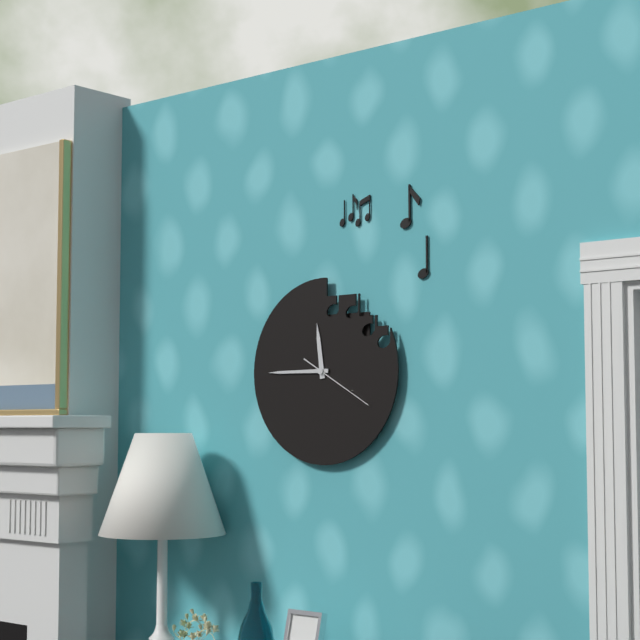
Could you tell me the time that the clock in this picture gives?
11:45:20
